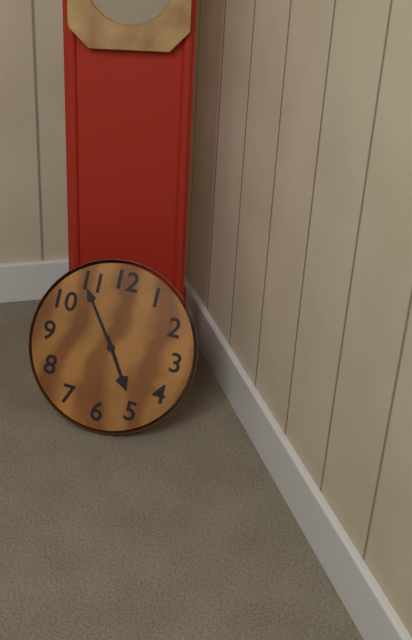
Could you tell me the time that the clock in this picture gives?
4:54
